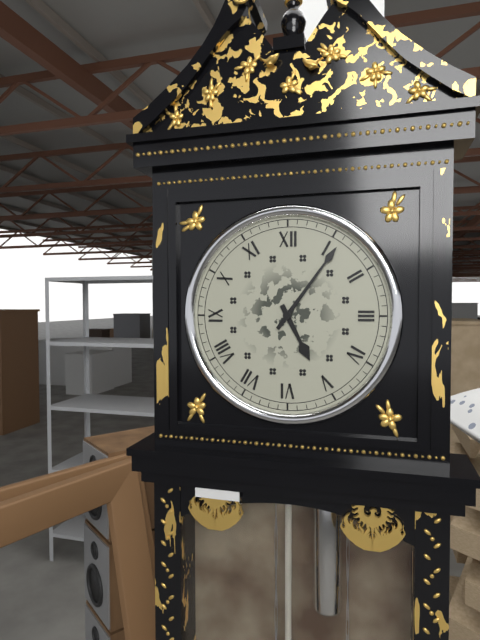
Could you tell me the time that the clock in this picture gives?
5:06
